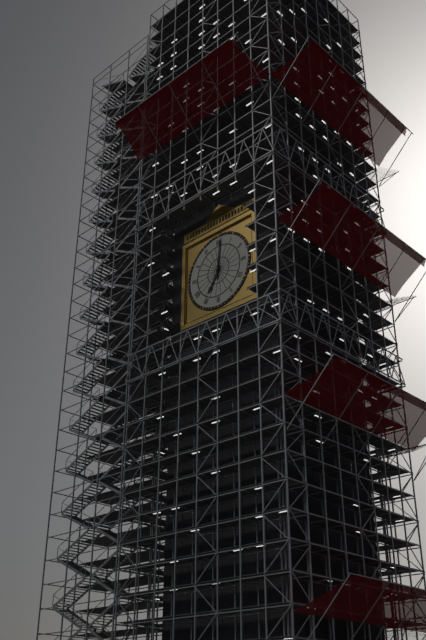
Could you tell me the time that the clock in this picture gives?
7:01
